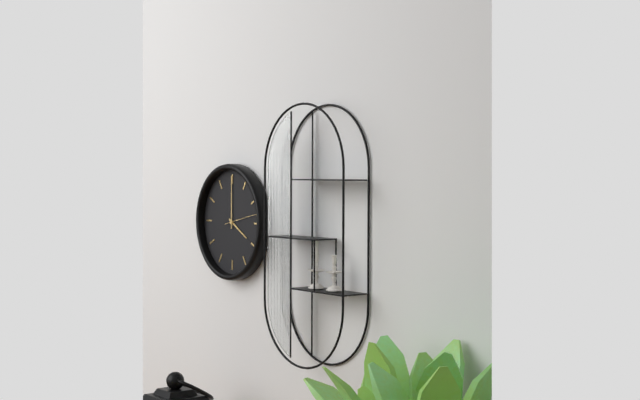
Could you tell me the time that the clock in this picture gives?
4:00
